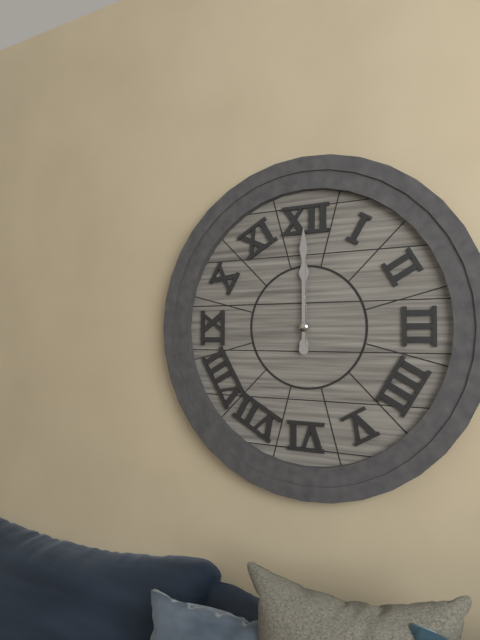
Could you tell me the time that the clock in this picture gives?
12:00
